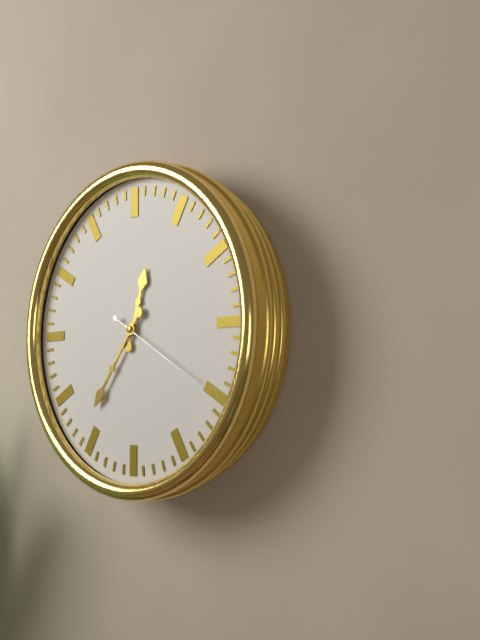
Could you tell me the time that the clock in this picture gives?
12:36:20
